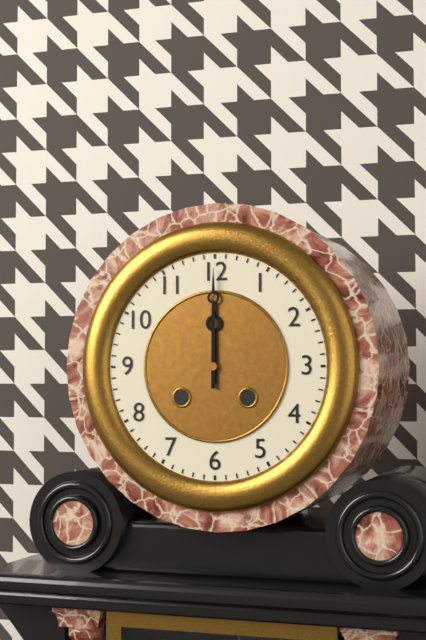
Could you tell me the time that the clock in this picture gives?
12:00
